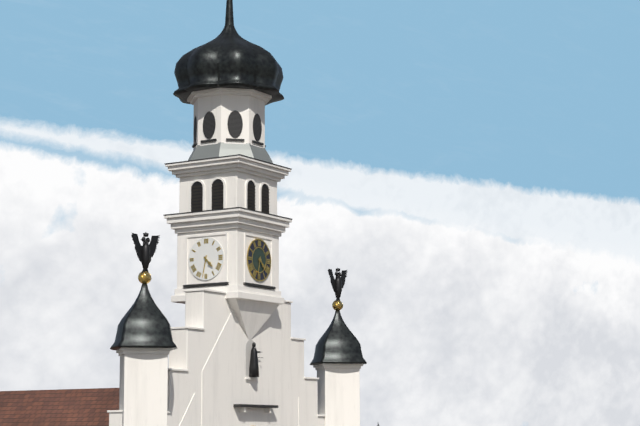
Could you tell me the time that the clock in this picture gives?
4:32
